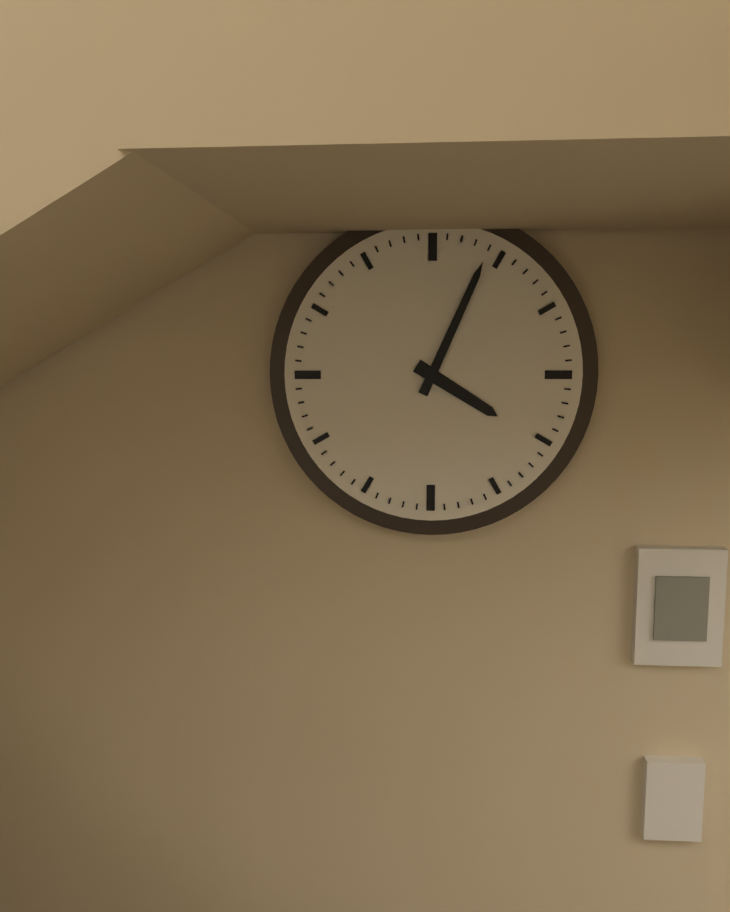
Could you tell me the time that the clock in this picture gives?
4:04
